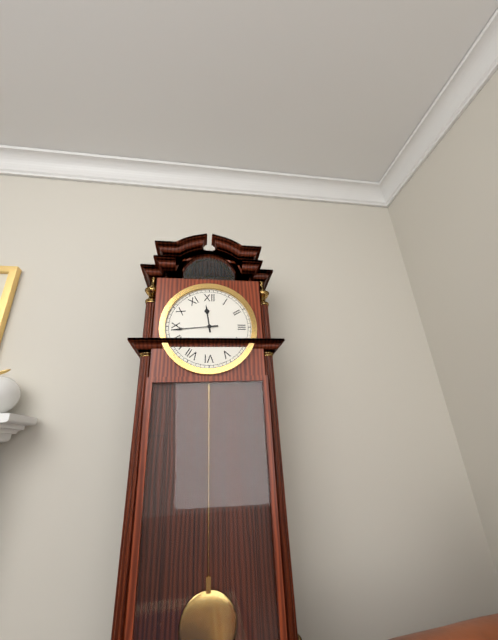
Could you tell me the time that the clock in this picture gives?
11:44
